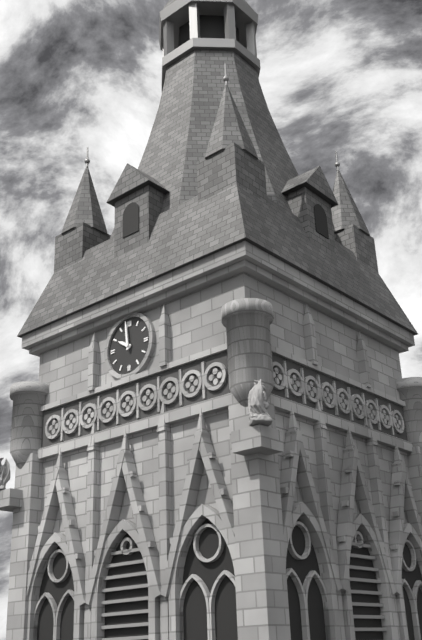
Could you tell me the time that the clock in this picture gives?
9:59
